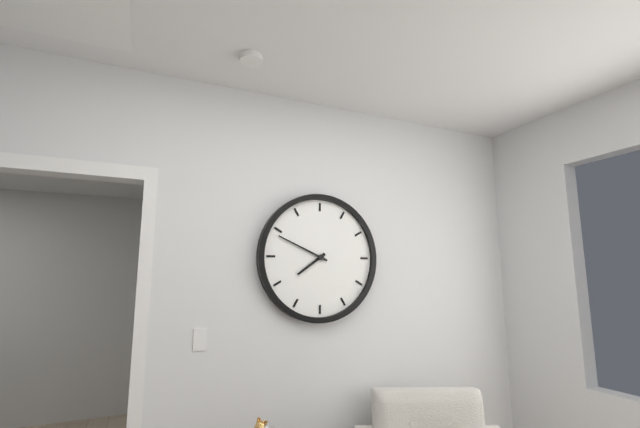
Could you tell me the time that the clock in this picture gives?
7:49
